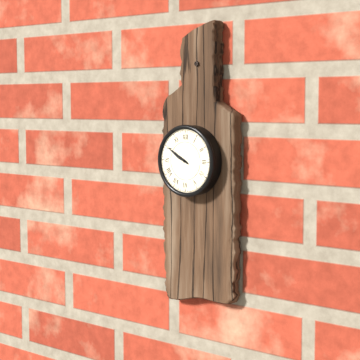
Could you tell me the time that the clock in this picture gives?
9:50
